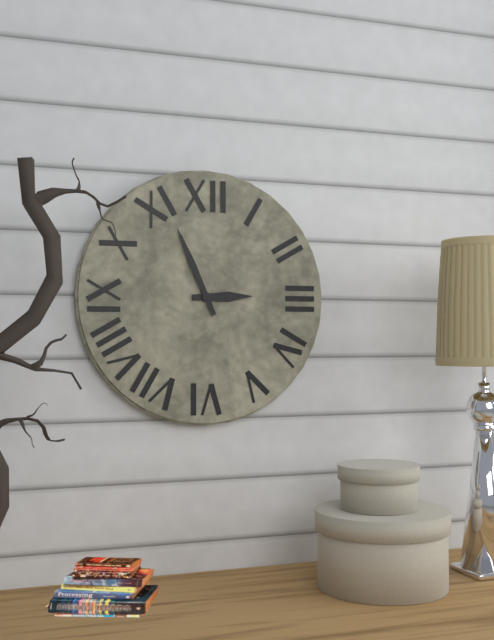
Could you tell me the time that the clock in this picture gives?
2:56
